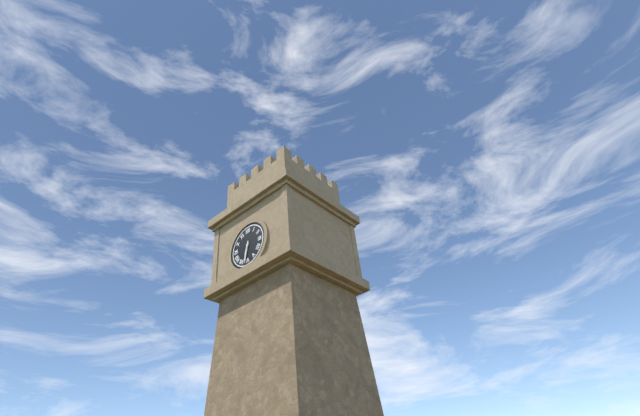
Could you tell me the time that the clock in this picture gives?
6:32
